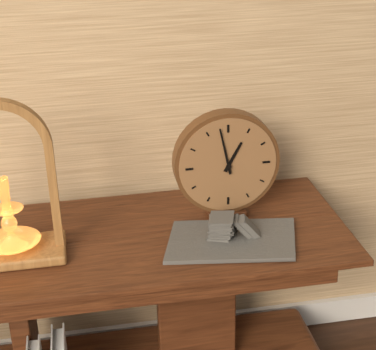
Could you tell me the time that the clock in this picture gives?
12:58
